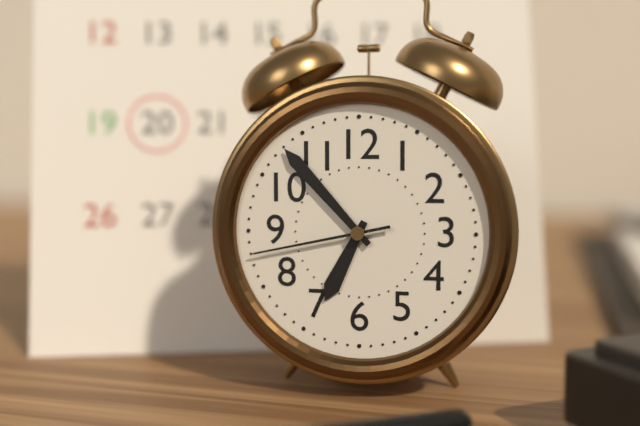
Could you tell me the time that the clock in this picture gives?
6:53:43
